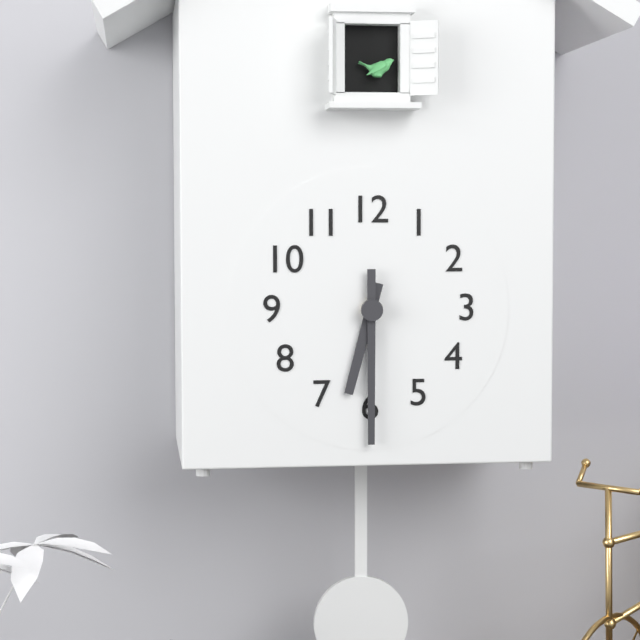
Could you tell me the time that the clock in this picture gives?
6:30
